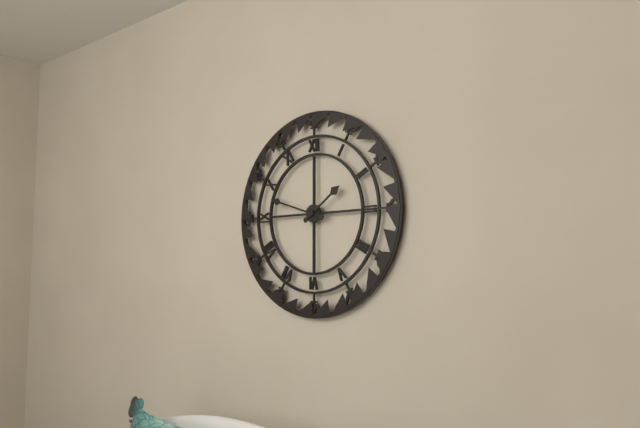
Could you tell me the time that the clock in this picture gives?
1:48
